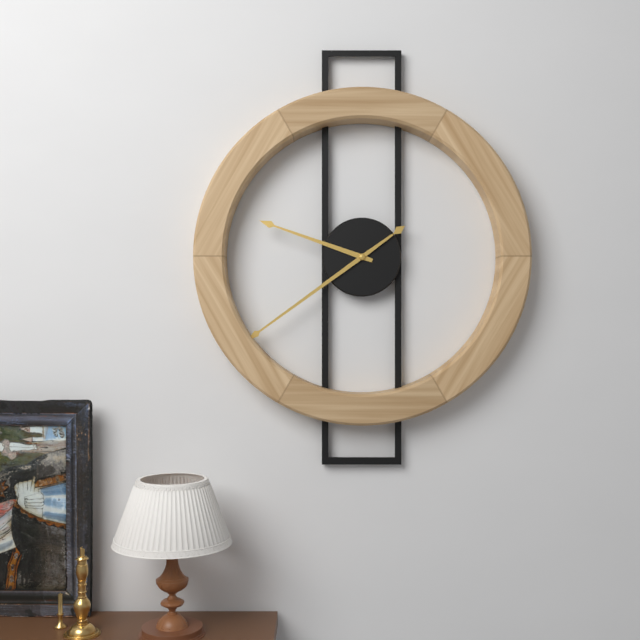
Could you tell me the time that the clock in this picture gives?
9:39
